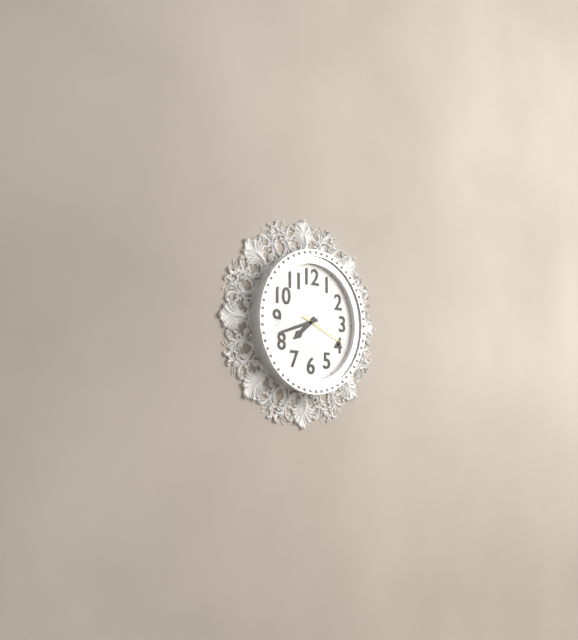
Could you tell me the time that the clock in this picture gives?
7:42
